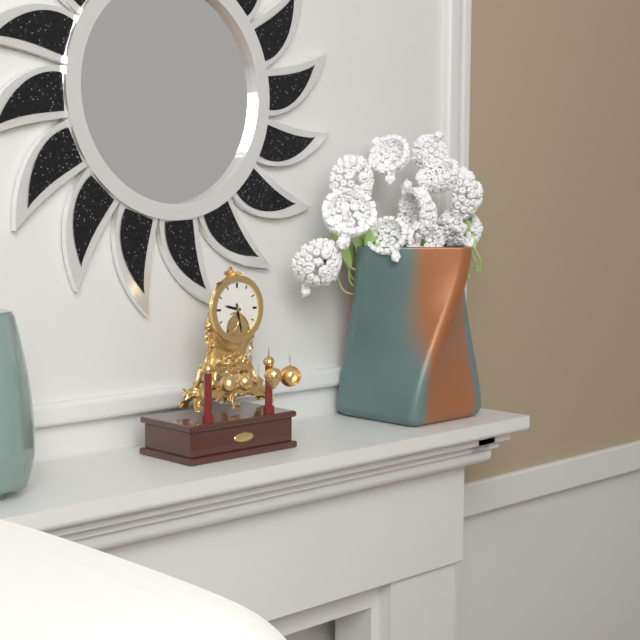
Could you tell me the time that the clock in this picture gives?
9:28
